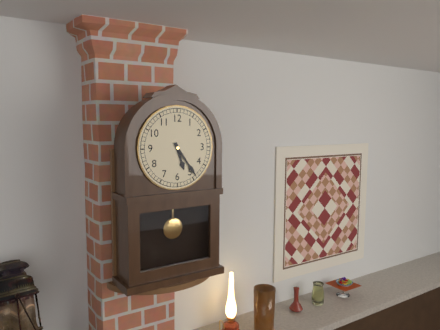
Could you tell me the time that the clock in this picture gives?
5:24
